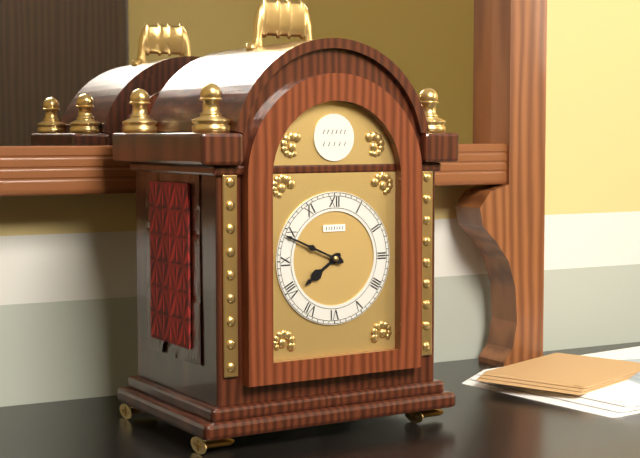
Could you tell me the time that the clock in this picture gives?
7:49
